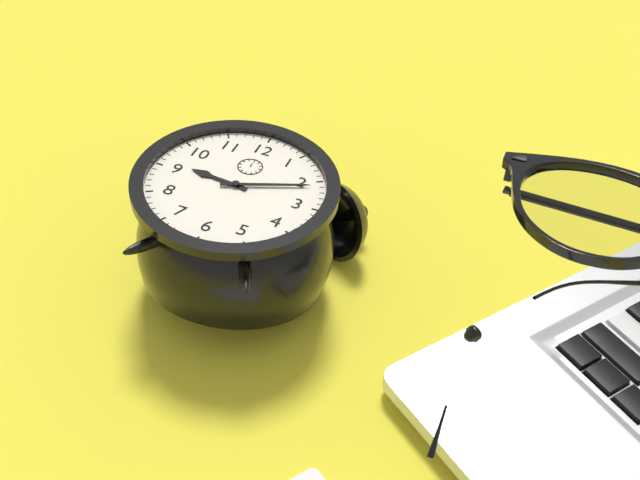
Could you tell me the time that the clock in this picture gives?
9:11
